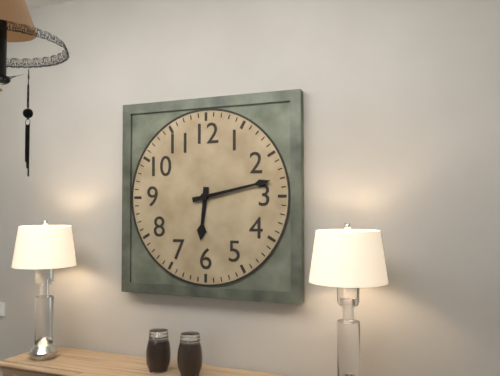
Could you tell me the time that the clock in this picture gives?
6:13
